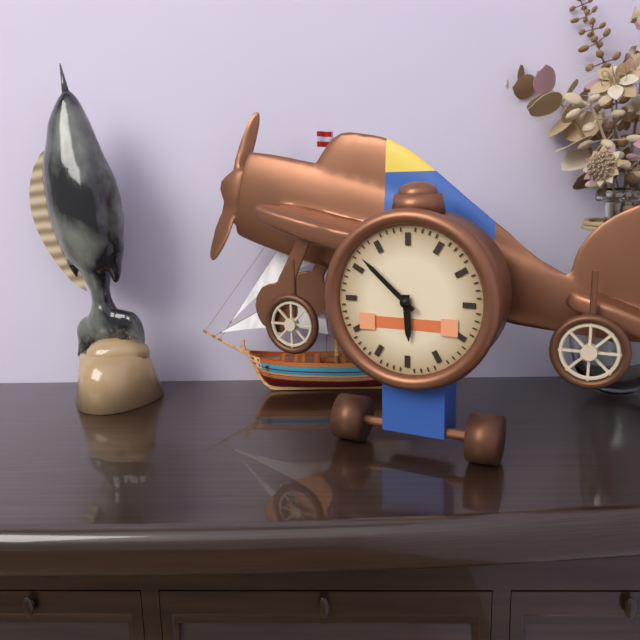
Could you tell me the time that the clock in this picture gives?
5:52
